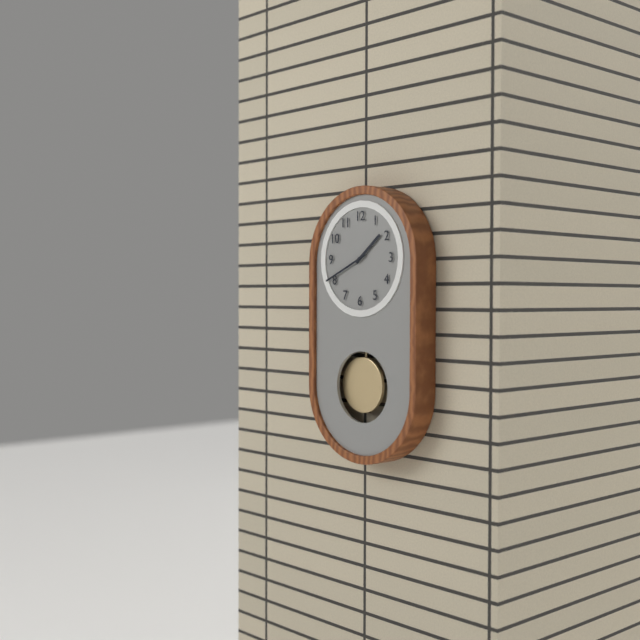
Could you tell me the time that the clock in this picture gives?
1:41
